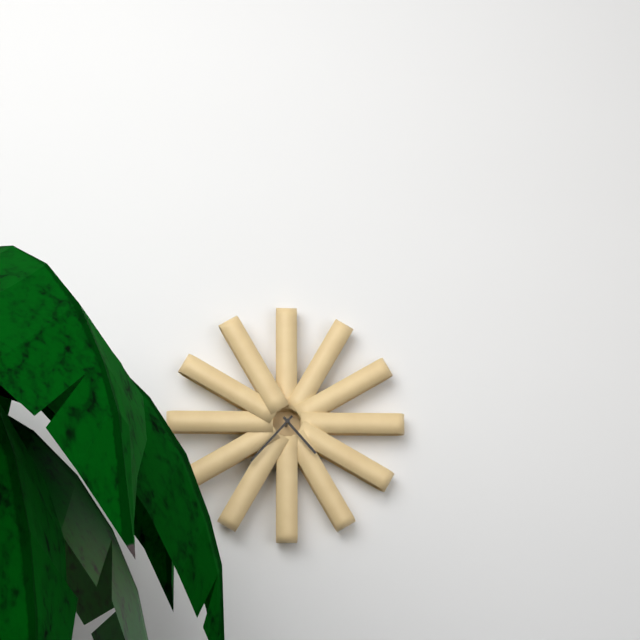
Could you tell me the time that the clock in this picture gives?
4:37
